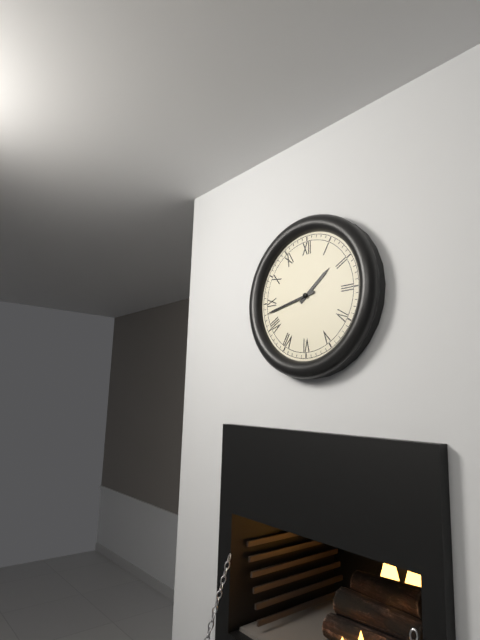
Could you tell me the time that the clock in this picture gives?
1:43
